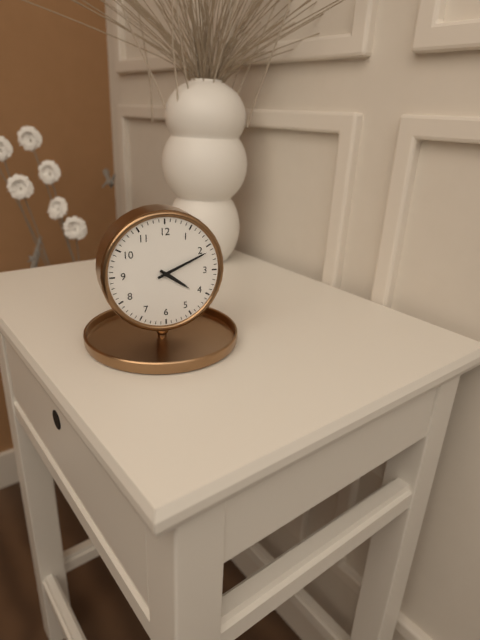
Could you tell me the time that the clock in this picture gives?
4:11
